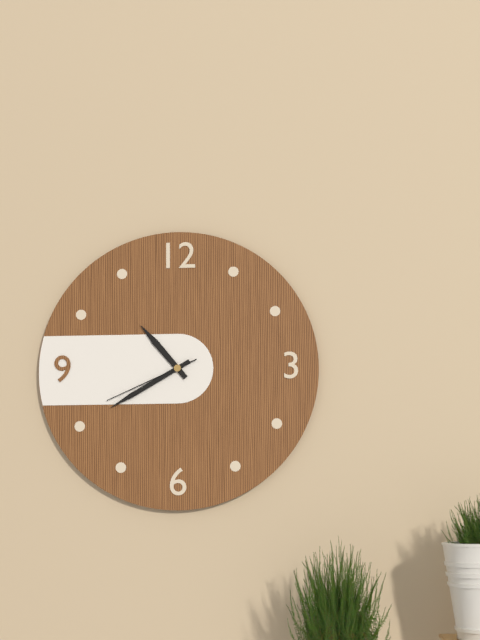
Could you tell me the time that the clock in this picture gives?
10:40:41
